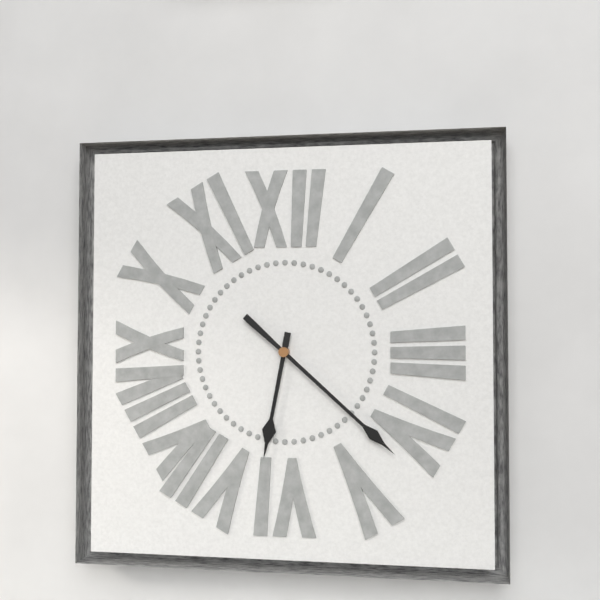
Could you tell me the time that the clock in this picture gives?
6:22
